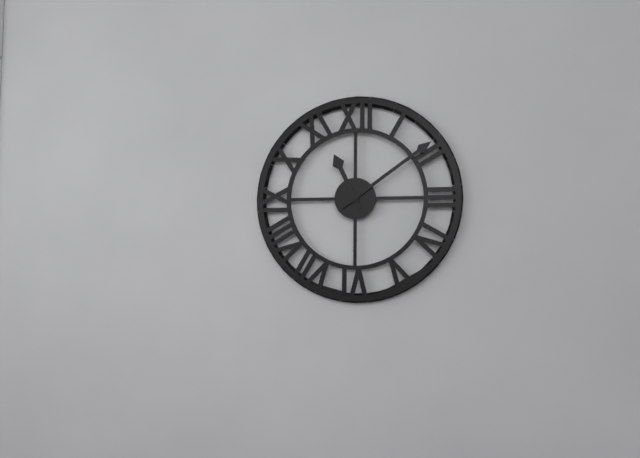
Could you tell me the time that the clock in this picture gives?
11:09
